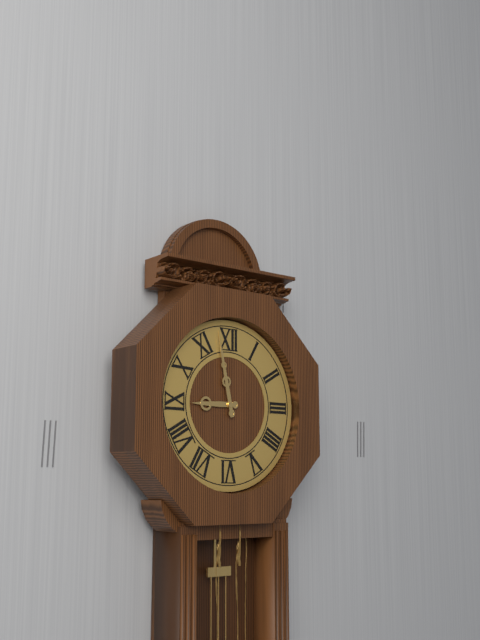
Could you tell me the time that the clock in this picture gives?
8:58
